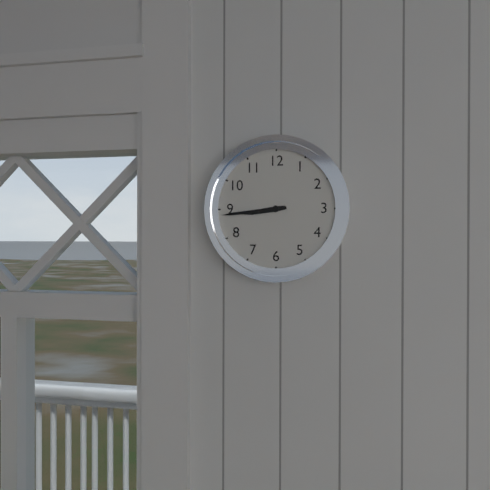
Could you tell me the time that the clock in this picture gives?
8:44
